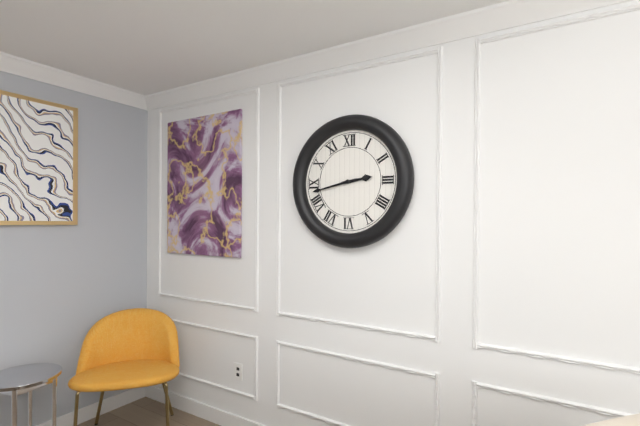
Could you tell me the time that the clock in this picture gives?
2:43
